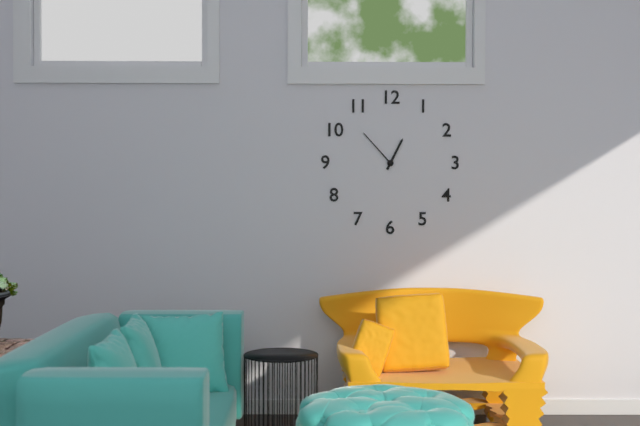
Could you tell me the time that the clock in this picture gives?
12:53
